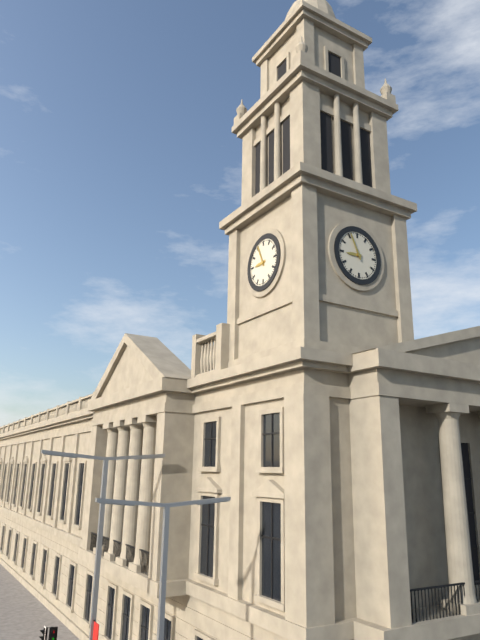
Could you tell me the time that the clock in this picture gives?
8:56
